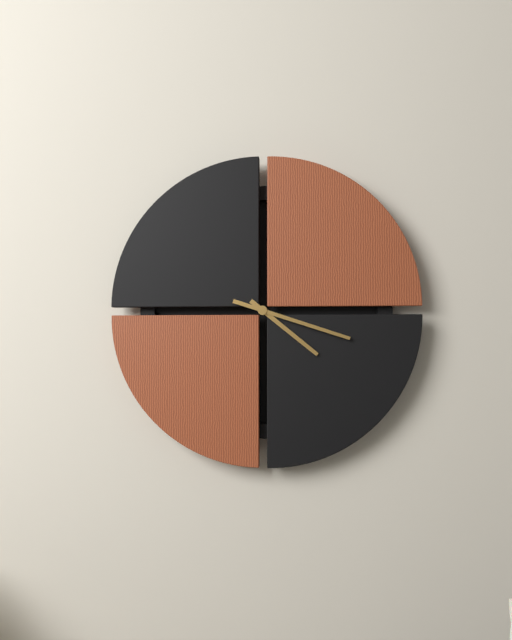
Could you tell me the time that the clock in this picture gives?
4:18
